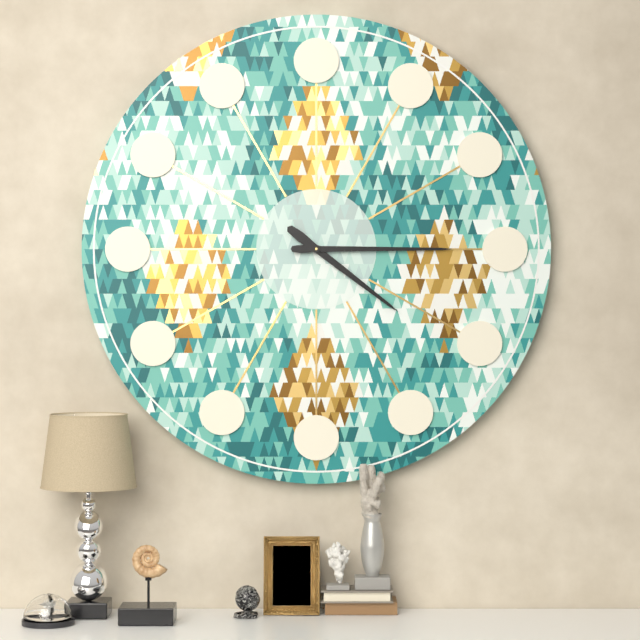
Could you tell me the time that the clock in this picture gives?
4:15
